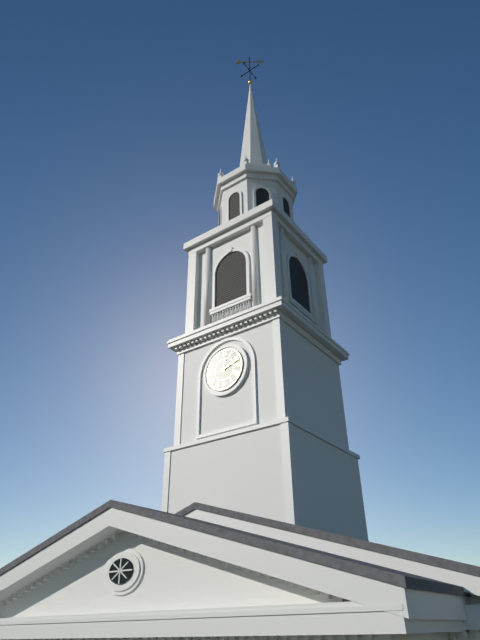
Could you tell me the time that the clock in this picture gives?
12:12
